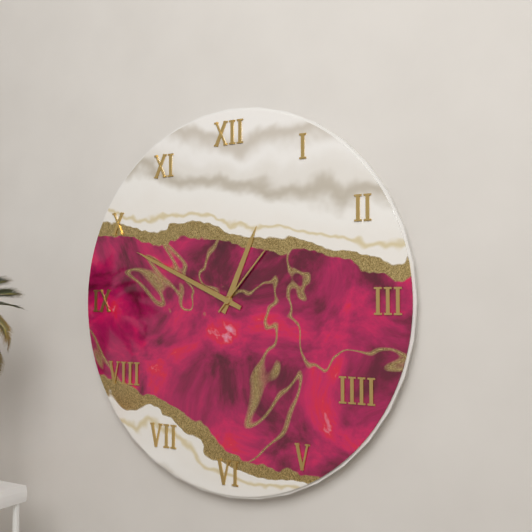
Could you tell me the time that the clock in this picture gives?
12:49:07
